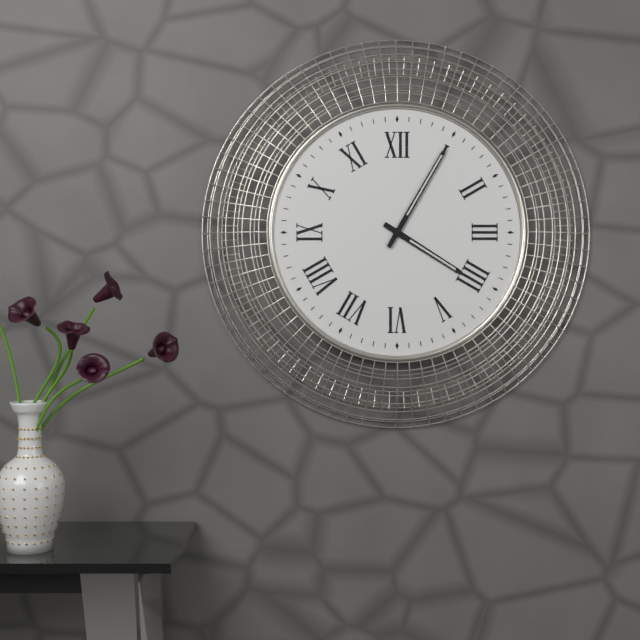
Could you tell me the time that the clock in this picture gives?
4:05
